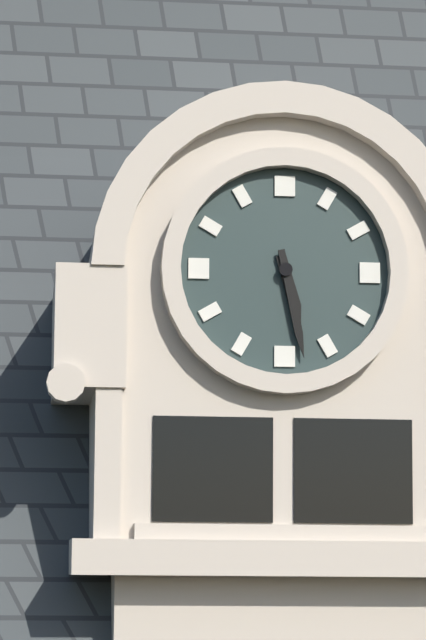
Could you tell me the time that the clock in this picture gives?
5:28
